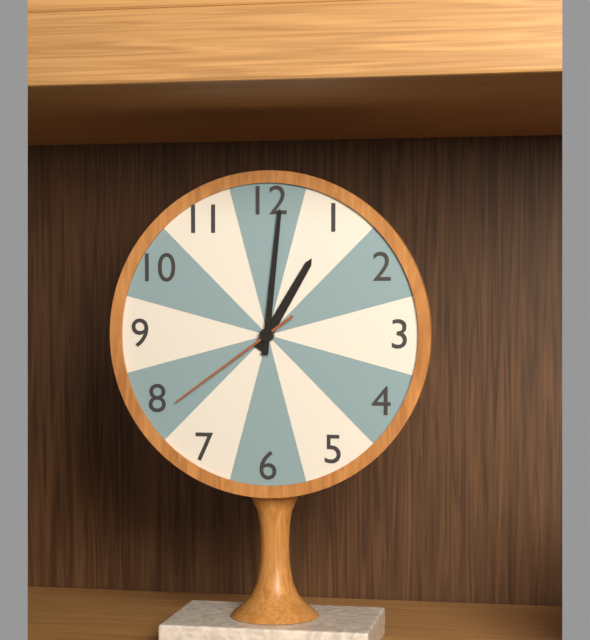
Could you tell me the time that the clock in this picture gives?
1:01:39
